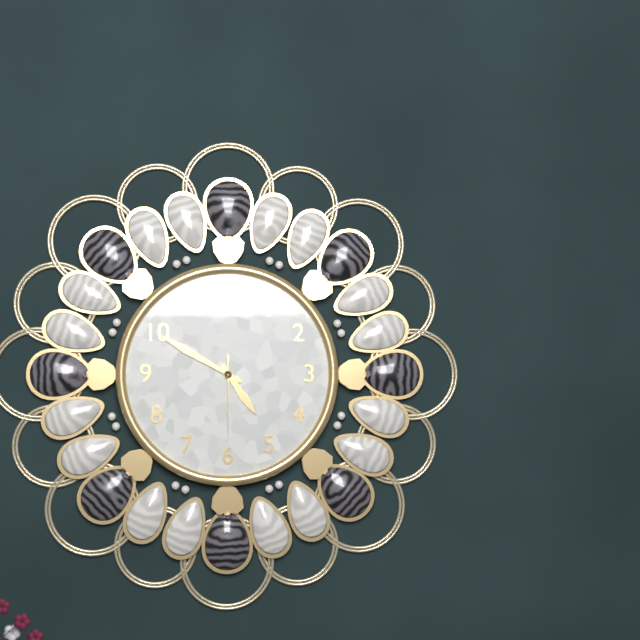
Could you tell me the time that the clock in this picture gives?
4:50:30
